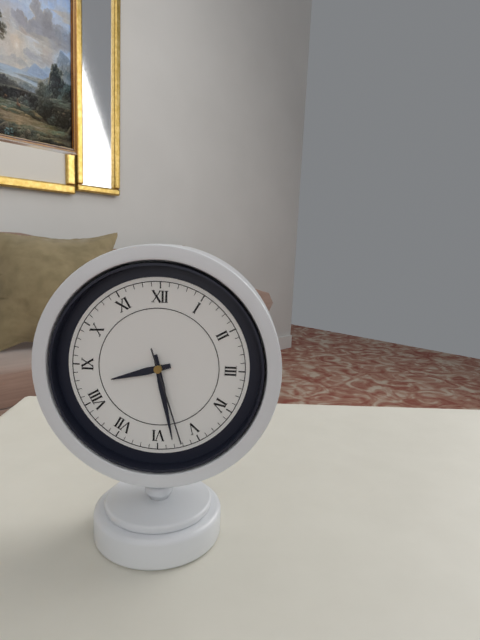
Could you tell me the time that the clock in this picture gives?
8:28:27
